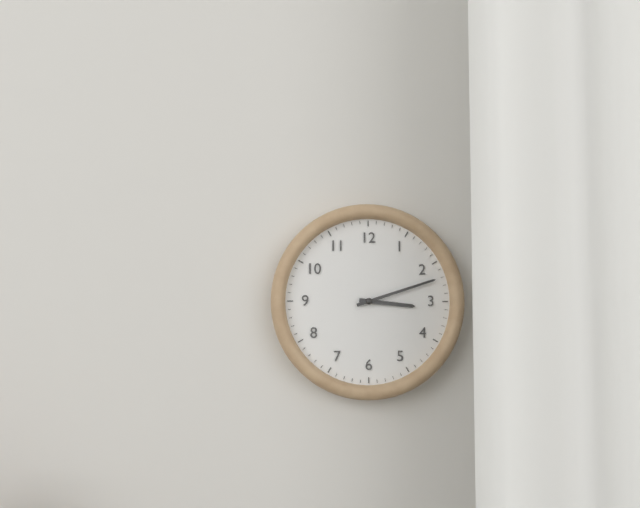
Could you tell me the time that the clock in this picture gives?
3:12
